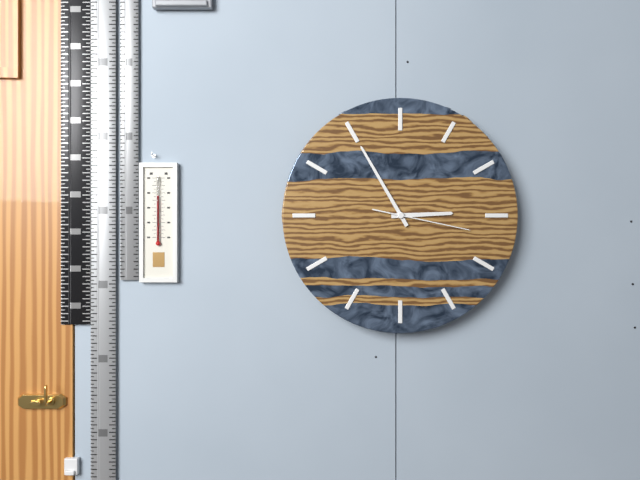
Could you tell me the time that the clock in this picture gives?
2:55:17
